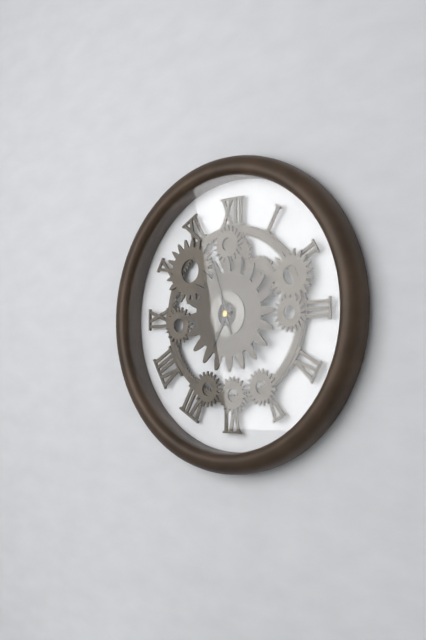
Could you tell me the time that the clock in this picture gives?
6:57
